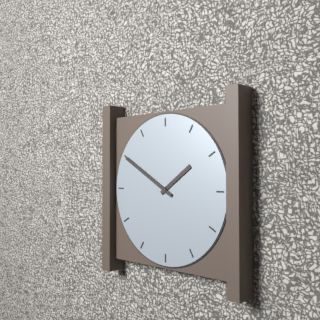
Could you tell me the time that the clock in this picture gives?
1:50
